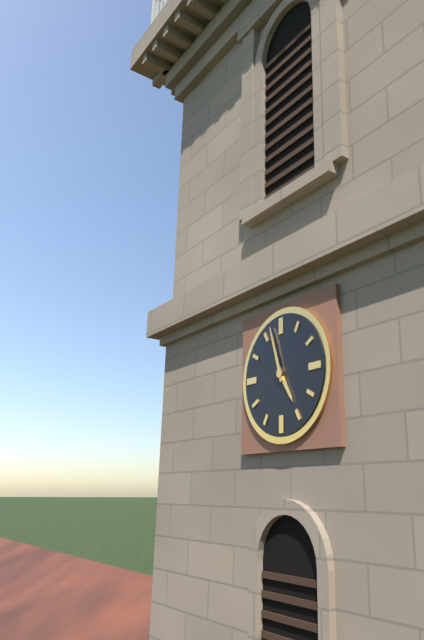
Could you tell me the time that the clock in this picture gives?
4:57
